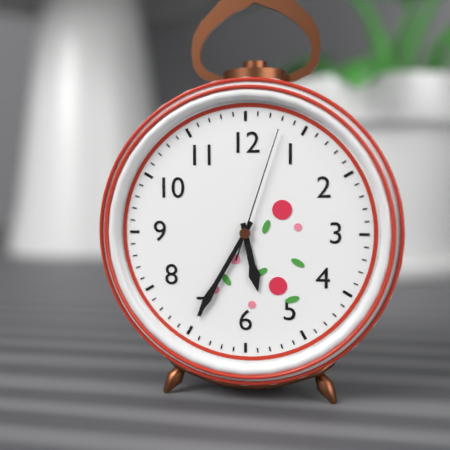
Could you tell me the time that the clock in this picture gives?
5:35:03
